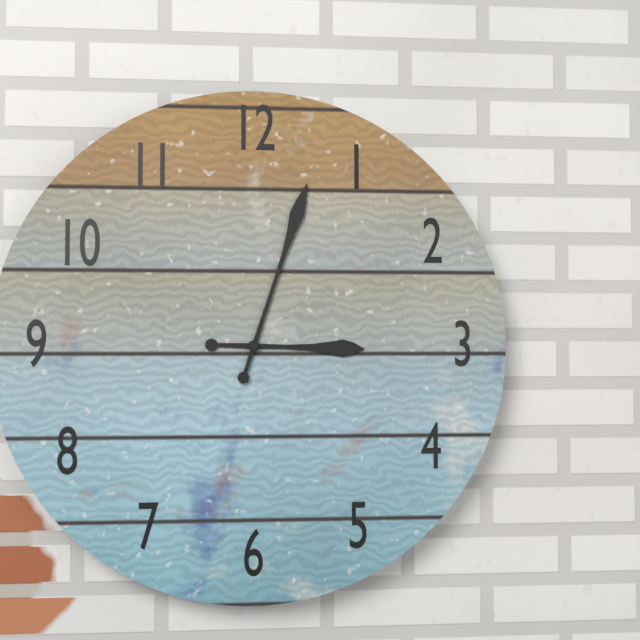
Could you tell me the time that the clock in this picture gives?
3:03
